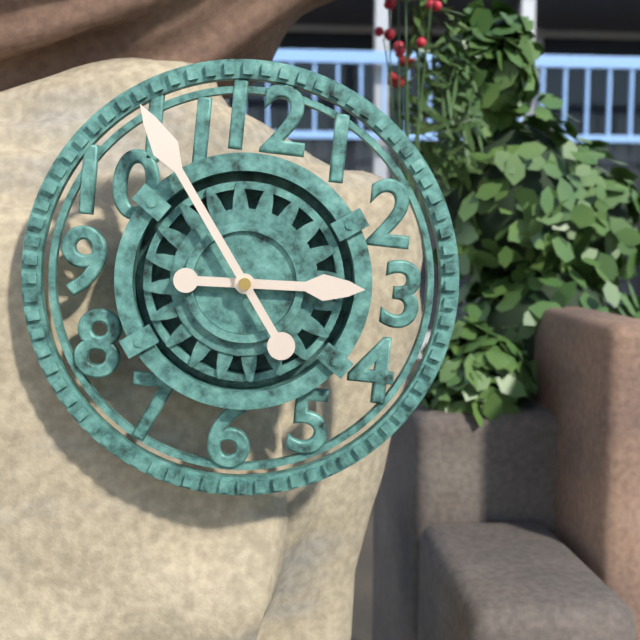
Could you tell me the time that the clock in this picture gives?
2:54
